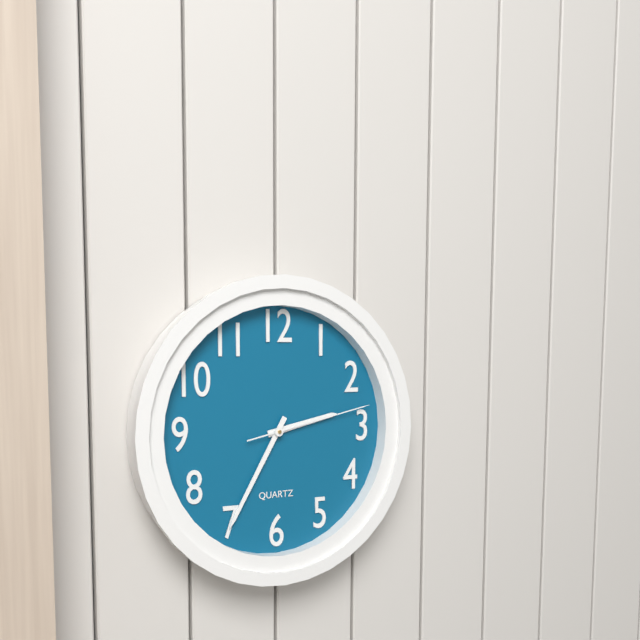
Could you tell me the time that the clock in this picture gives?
2:35:13
